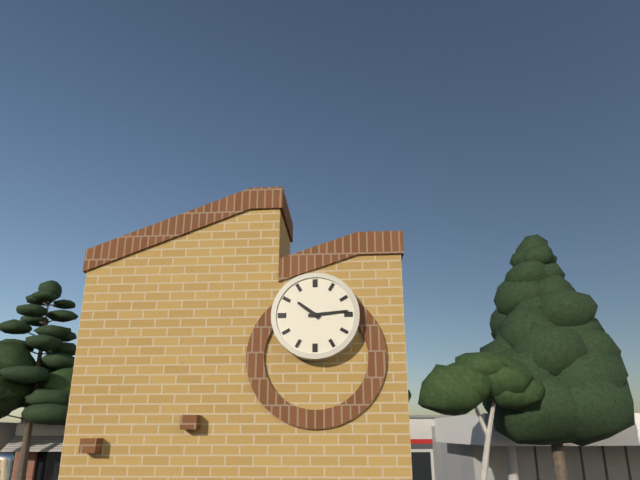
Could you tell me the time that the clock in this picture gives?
10:14
